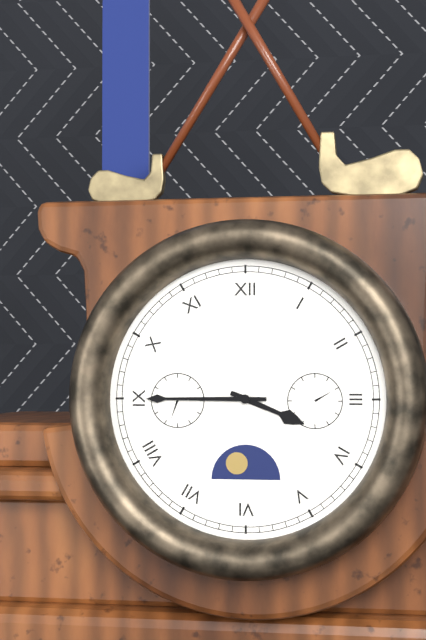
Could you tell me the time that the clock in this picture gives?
3:45
